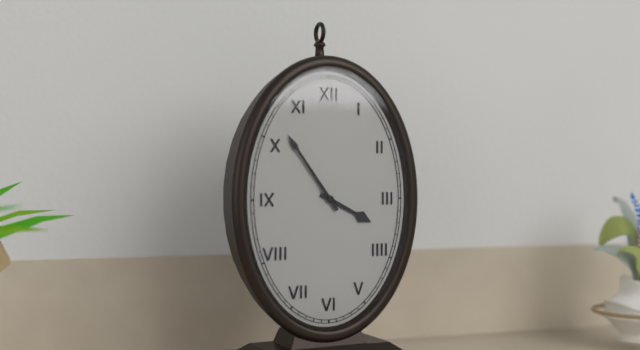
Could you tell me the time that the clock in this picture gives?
3:54
